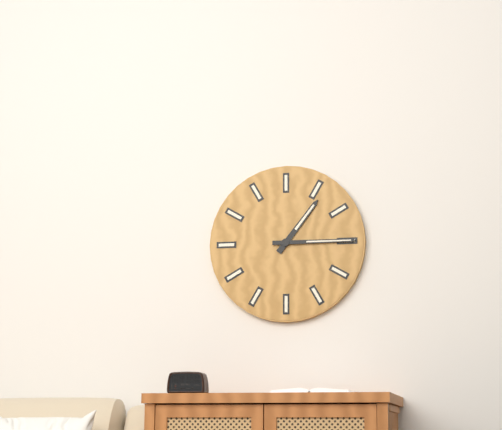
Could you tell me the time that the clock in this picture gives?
1:15
